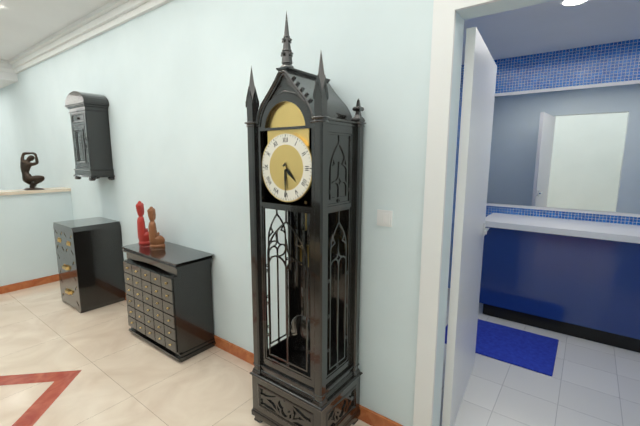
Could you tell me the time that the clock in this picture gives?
4:30
